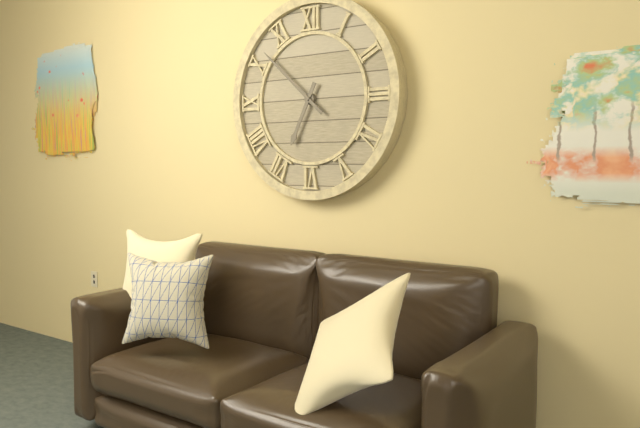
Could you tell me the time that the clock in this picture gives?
6:52
